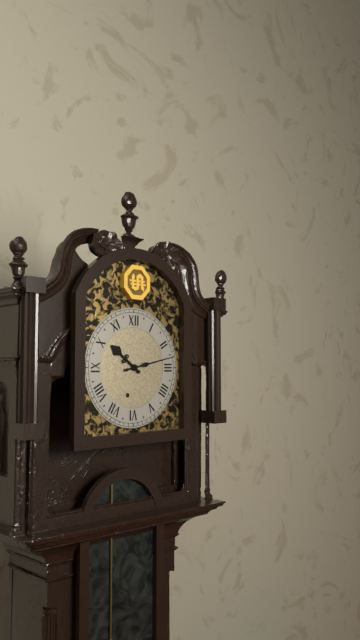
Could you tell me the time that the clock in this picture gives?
10:13
